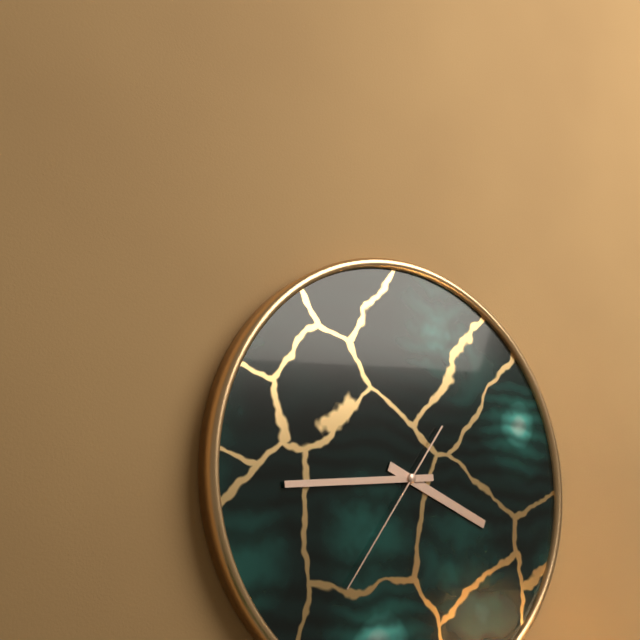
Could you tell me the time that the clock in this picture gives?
3:44:36
